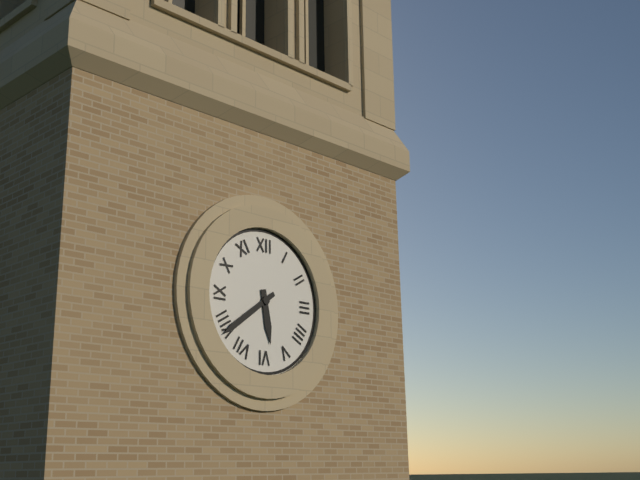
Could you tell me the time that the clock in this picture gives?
5:39
